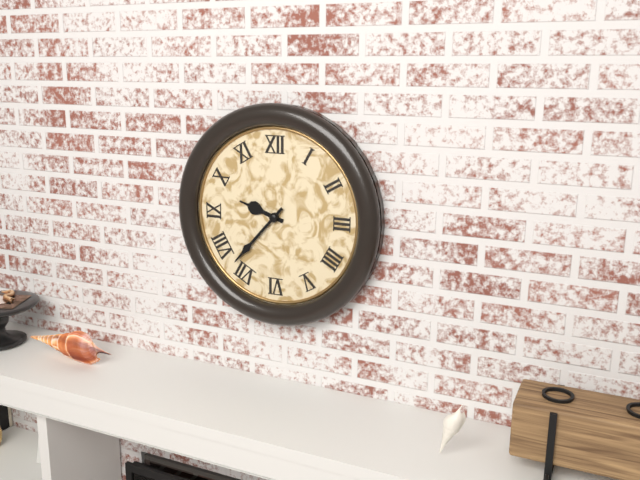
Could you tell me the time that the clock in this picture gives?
9:37
